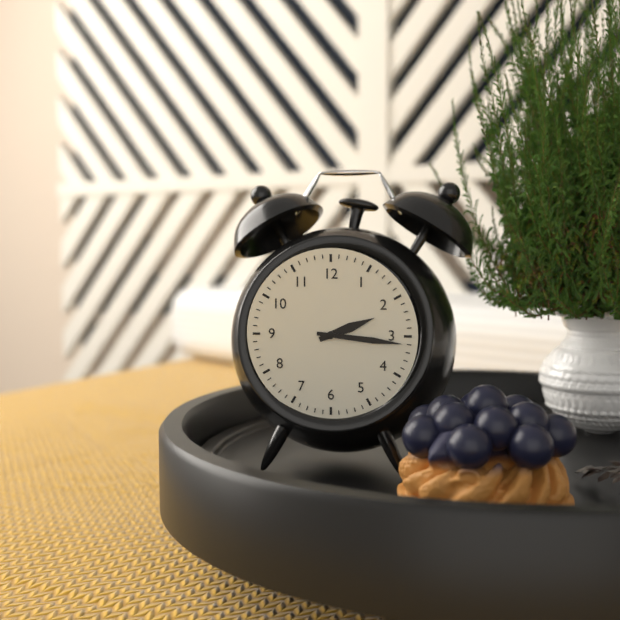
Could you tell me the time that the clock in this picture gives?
2:16
